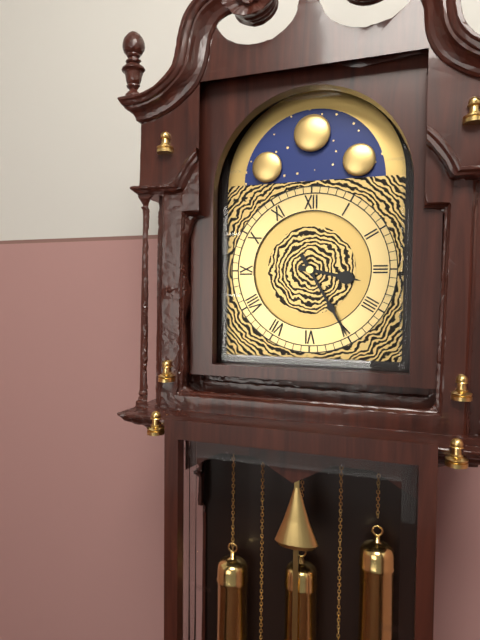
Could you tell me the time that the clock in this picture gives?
3:25
